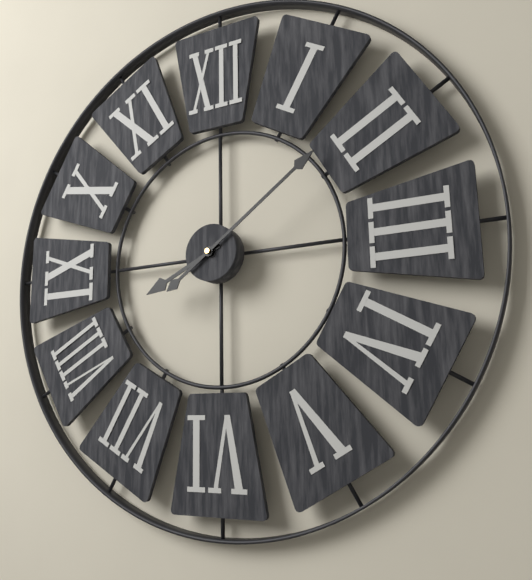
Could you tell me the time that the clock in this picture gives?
8:09
